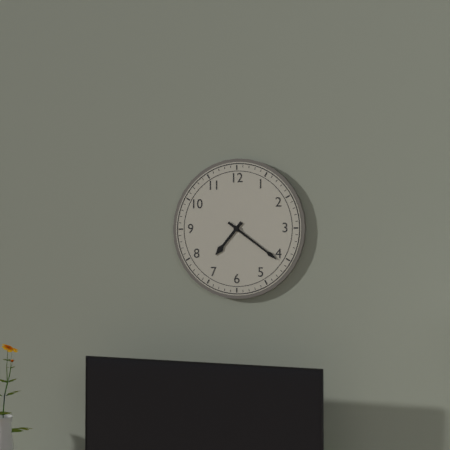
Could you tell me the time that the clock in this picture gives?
7:21
